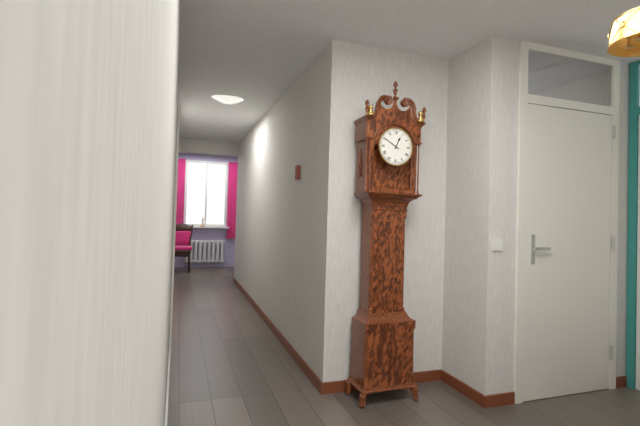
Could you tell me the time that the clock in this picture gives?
12:50
